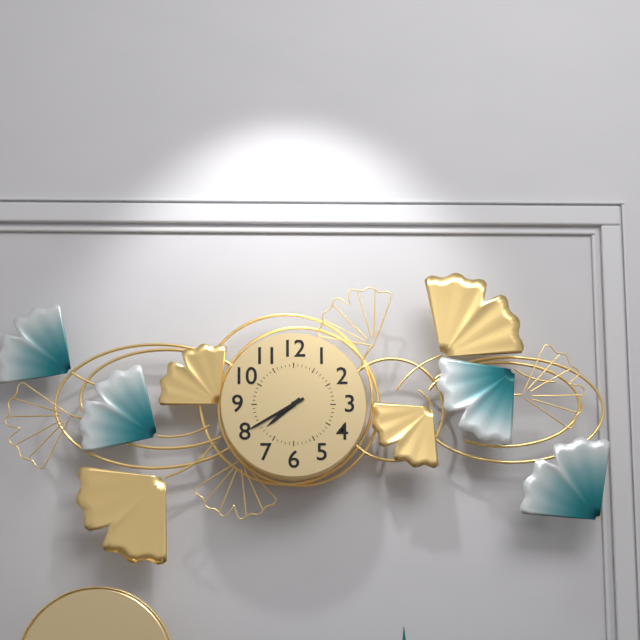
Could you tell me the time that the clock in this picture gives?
7:40
